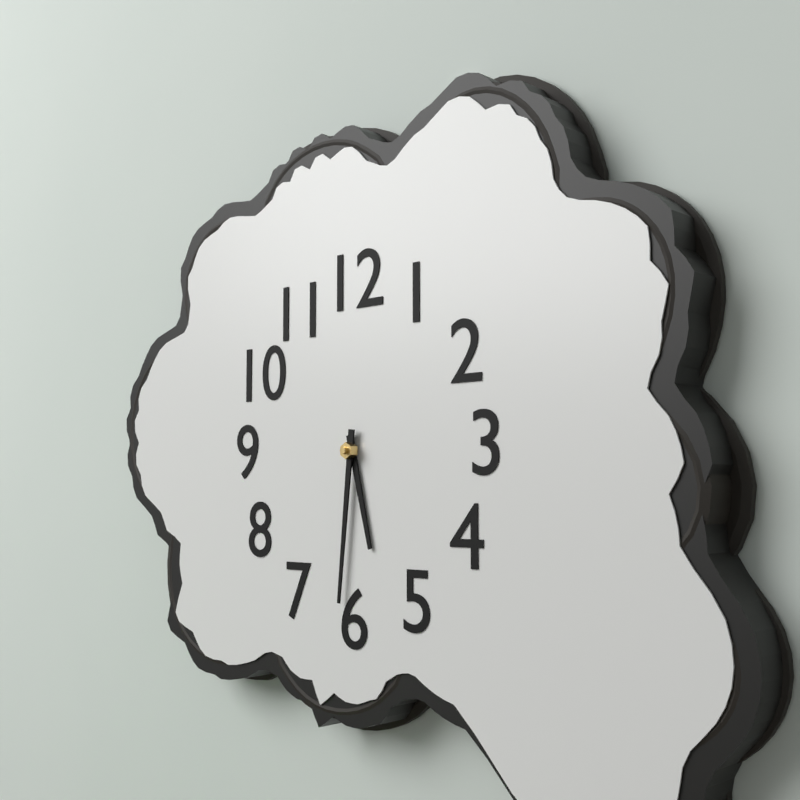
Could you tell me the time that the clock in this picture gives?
5:31
